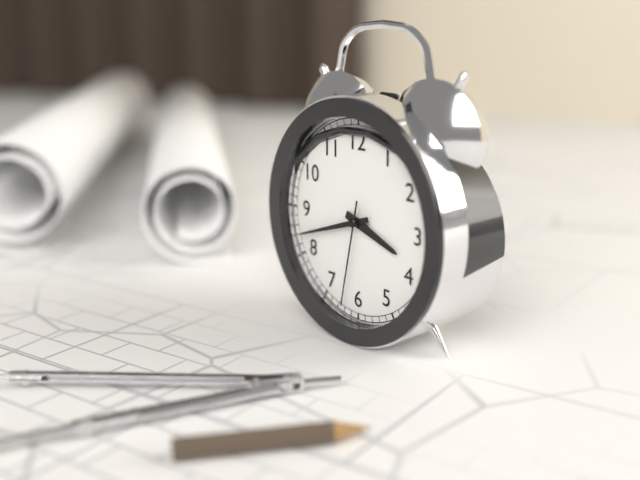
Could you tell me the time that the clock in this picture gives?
3:42:32
